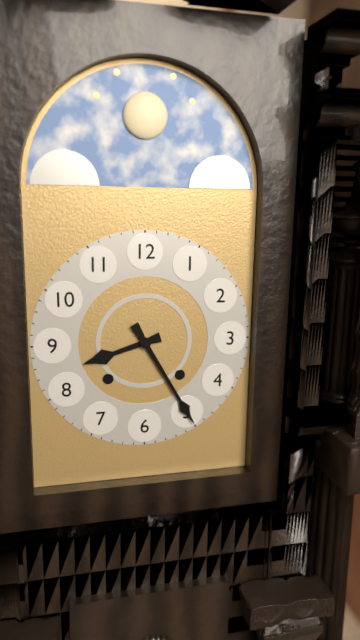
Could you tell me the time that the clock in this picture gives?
8:25
